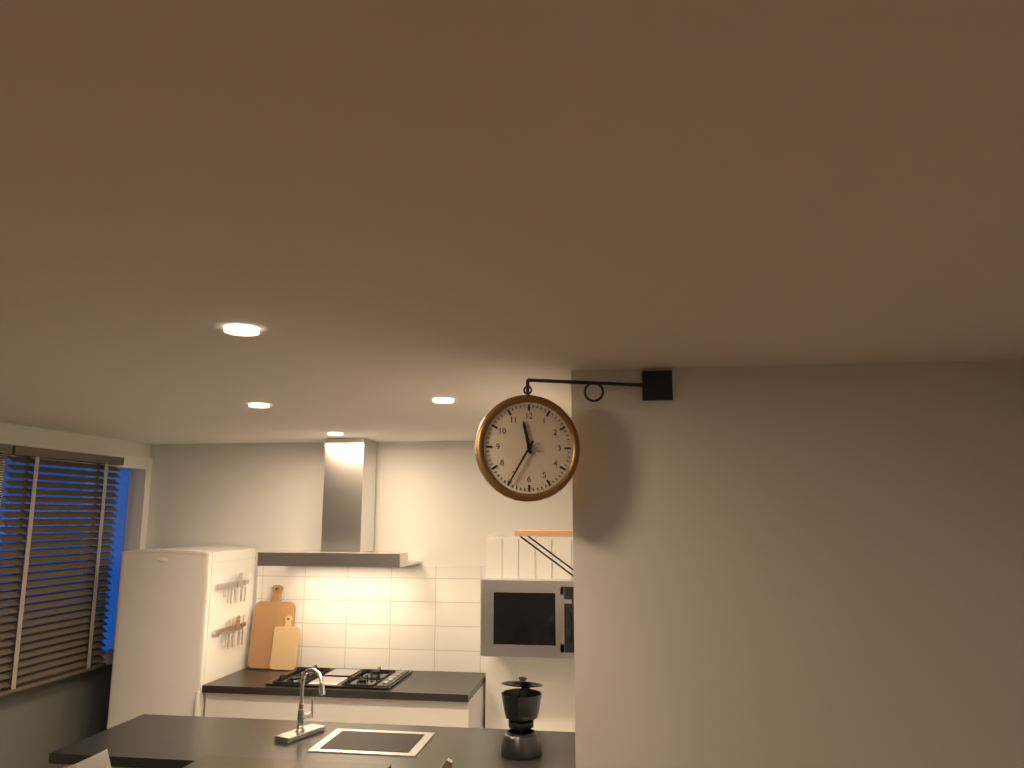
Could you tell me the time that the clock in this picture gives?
11:35
